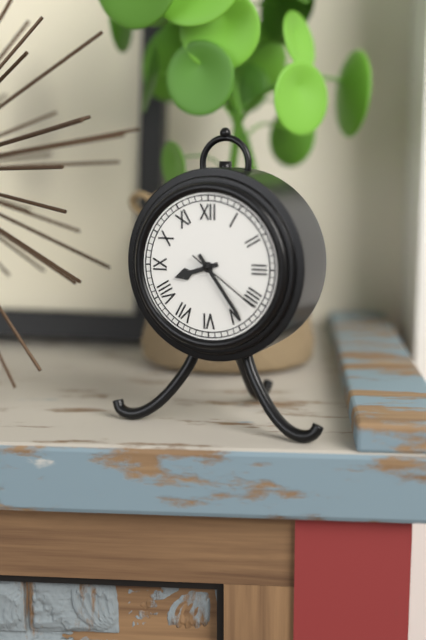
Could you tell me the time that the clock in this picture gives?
8:24:21
